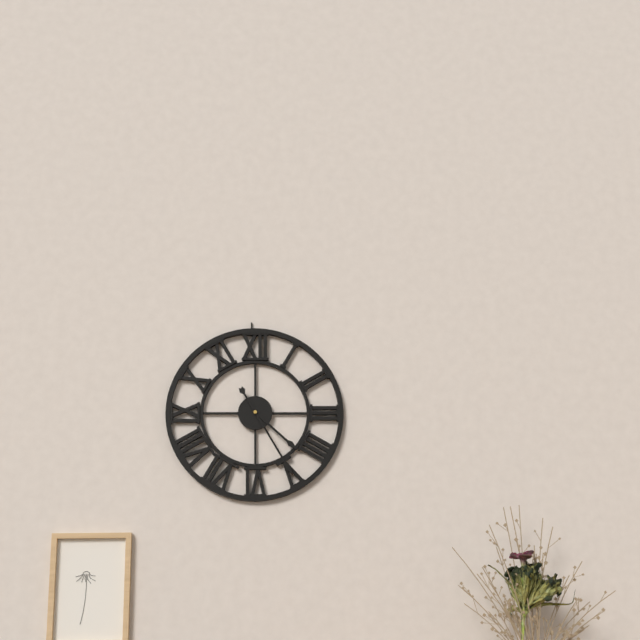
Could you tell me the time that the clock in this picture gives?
4:25
